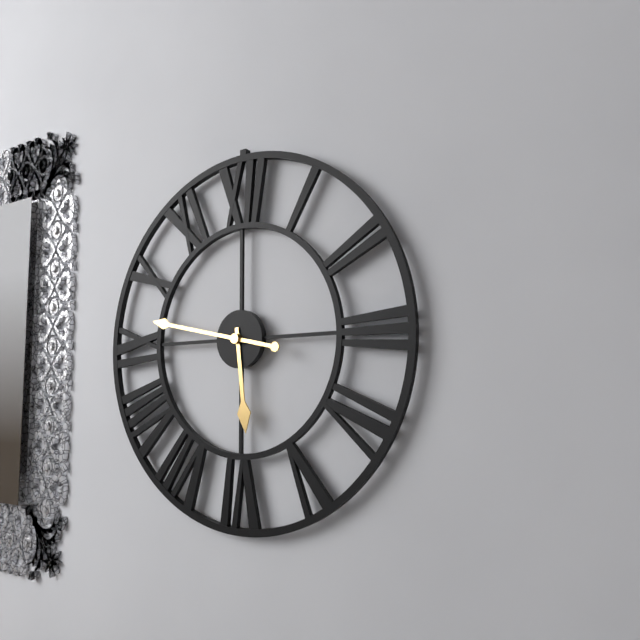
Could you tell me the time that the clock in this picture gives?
5:47
